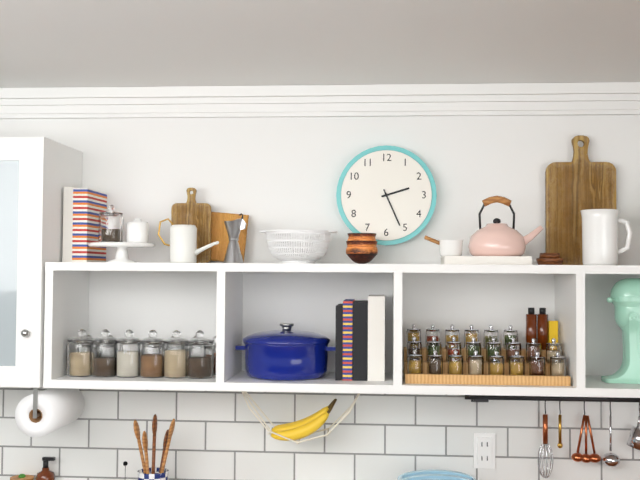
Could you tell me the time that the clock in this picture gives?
2:26
